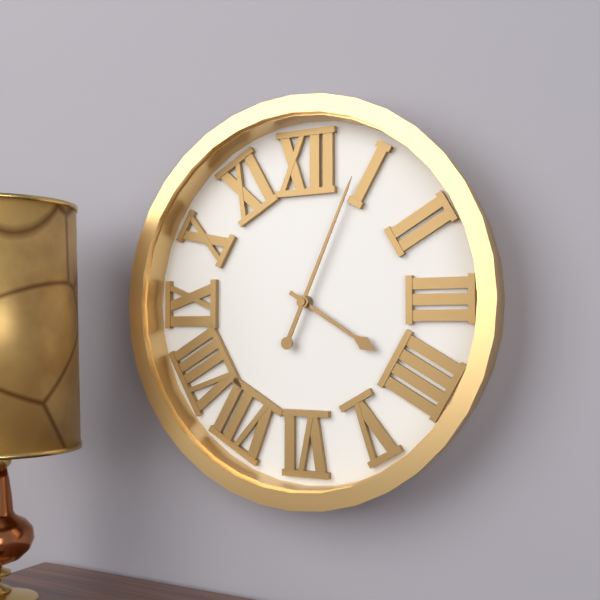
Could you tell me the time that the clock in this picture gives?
4:04
